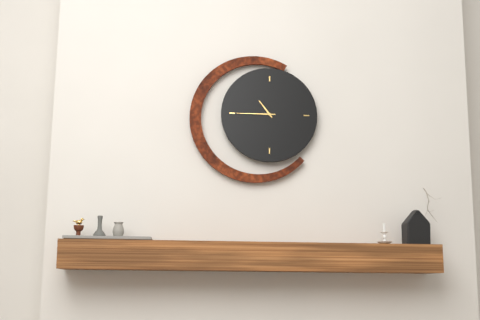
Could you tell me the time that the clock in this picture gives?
10:45
